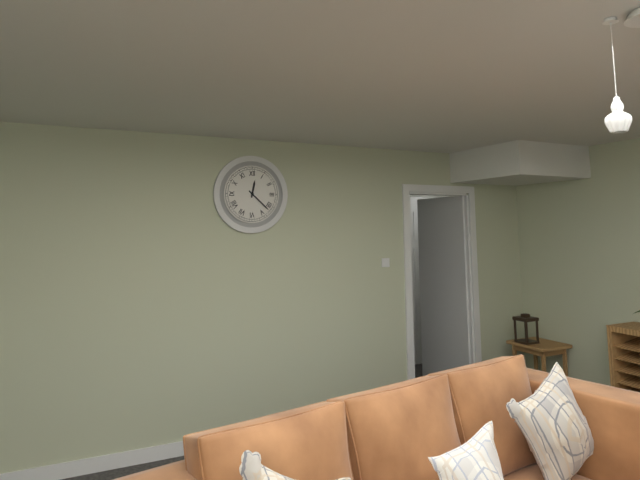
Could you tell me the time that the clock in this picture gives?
12:22
